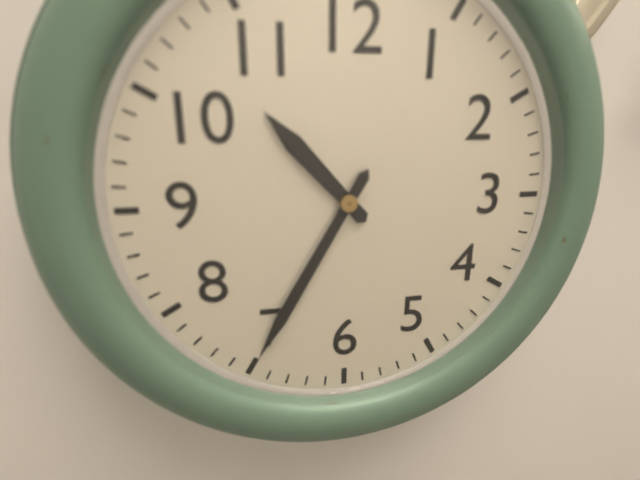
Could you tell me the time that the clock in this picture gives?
10:35
